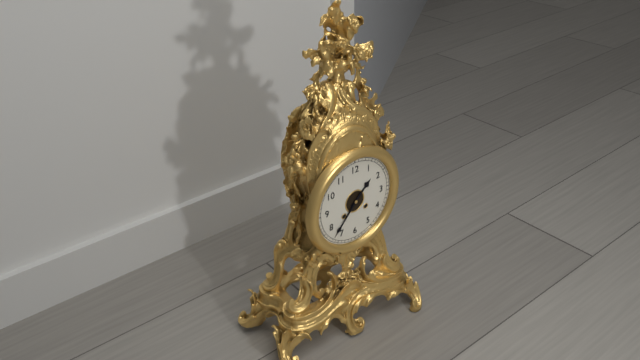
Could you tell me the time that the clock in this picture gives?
1:37
